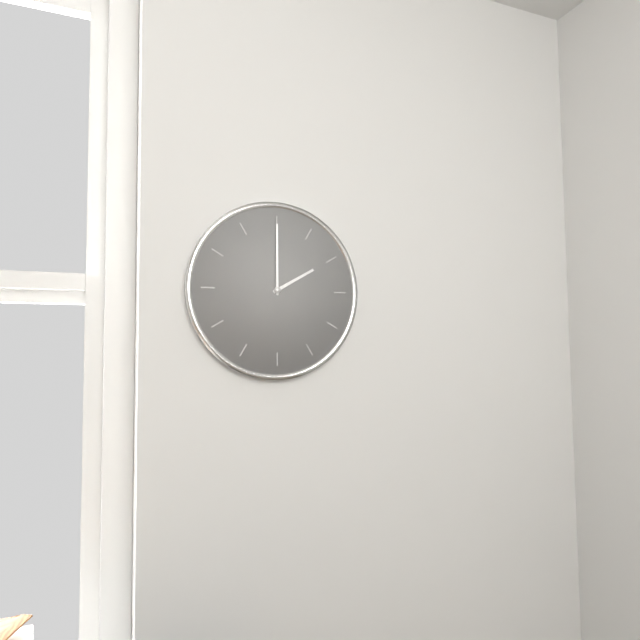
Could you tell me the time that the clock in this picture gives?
2:00
